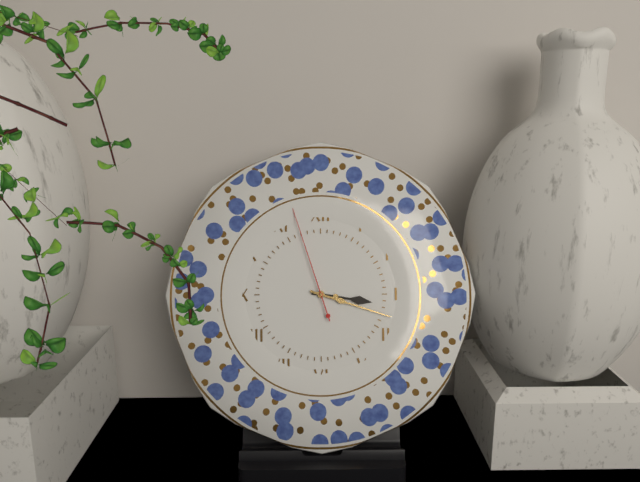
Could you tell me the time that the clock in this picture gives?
3:18:57
